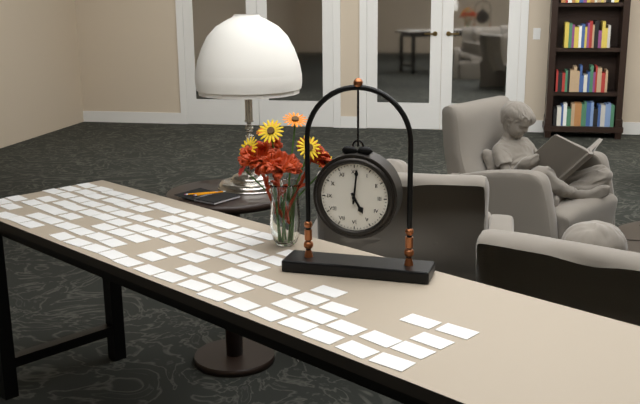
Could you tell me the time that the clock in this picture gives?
5:01
